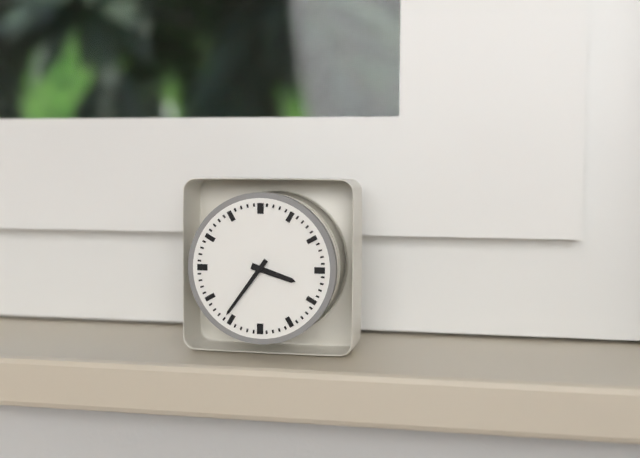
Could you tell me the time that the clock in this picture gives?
3:36
